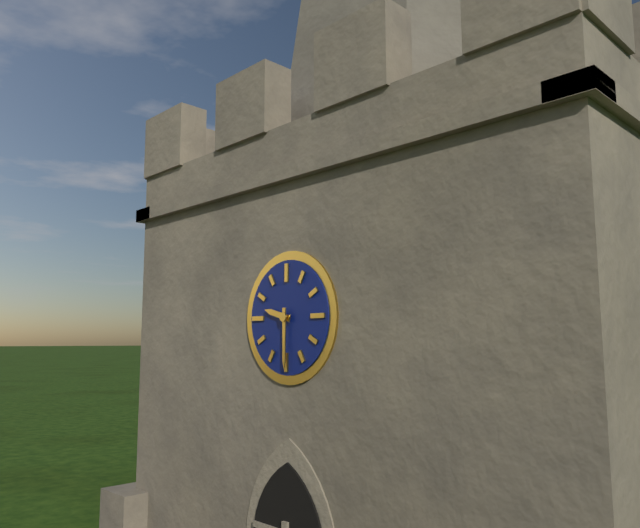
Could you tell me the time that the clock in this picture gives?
9:30
